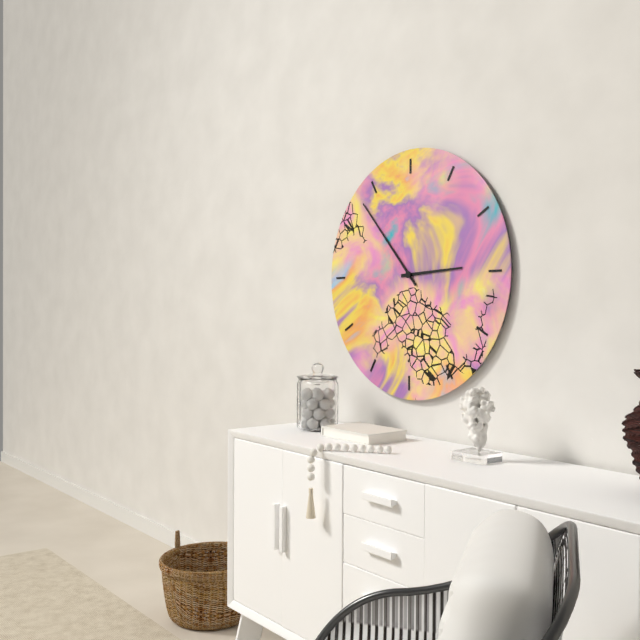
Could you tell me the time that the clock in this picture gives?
2:53
